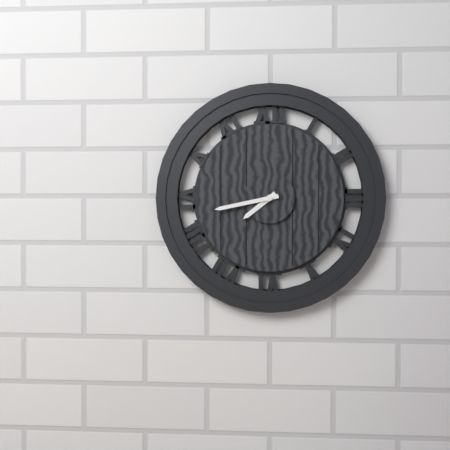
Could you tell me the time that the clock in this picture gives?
7:43
